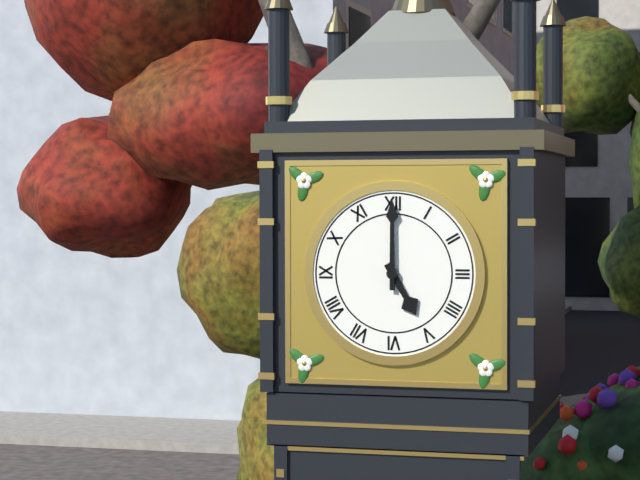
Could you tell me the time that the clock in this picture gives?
5:00
